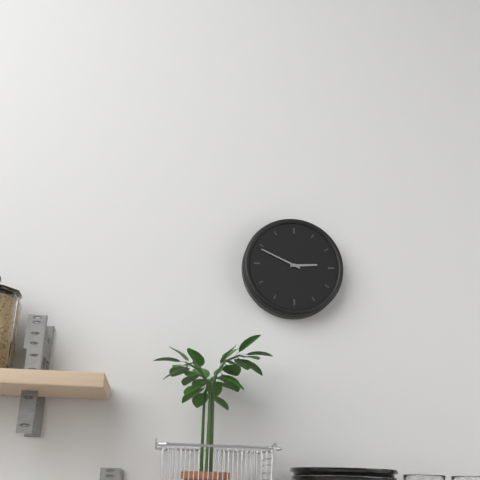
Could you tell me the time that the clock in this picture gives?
2:49
